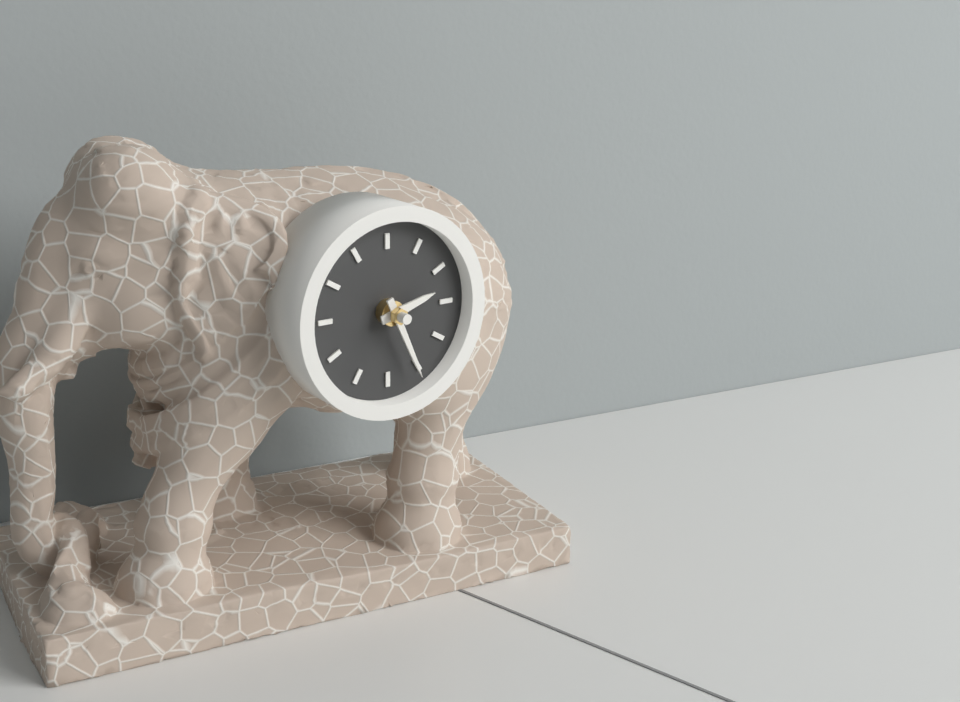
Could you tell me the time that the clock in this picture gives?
2:26
